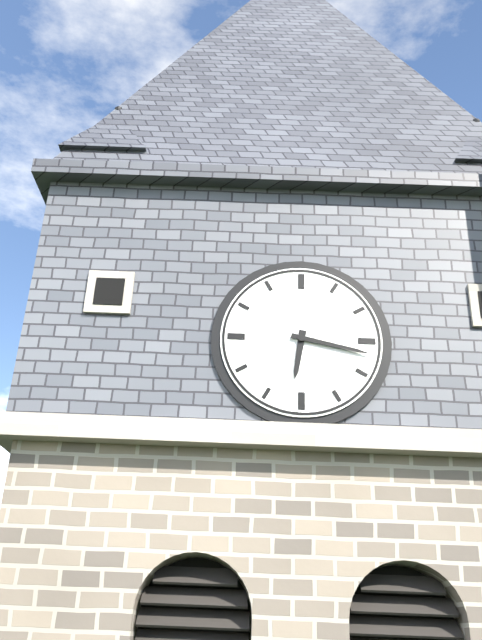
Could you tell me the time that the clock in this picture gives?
6:17
